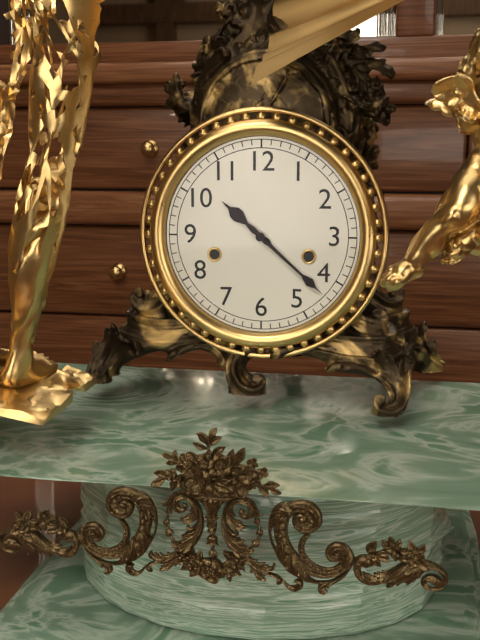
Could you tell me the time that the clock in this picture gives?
10:22
